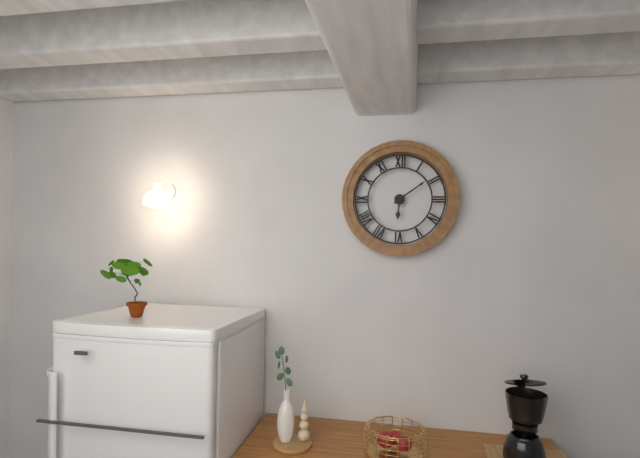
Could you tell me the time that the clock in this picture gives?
6:09
